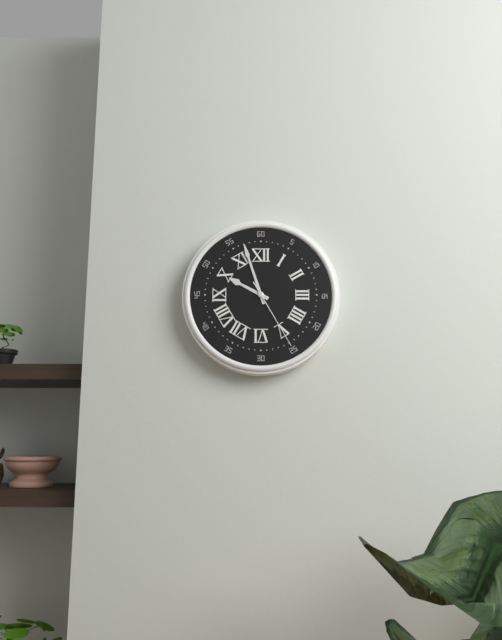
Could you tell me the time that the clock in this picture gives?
9:57:25
